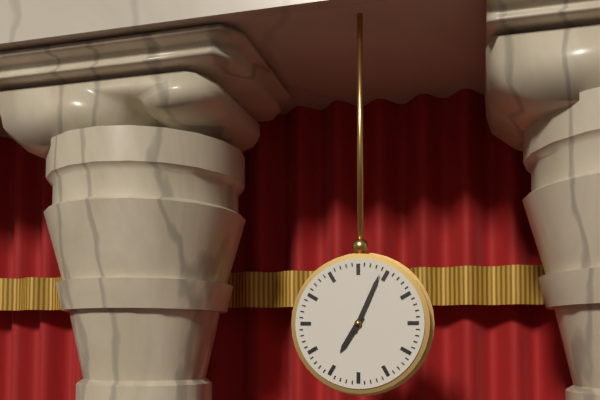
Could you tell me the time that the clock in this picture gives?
7:04
